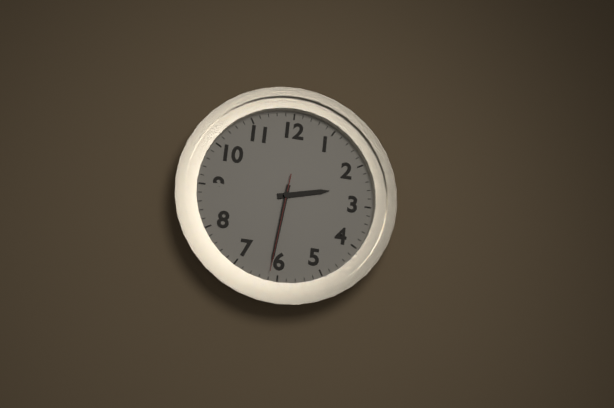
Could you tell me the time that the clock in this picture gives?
2:31:31
